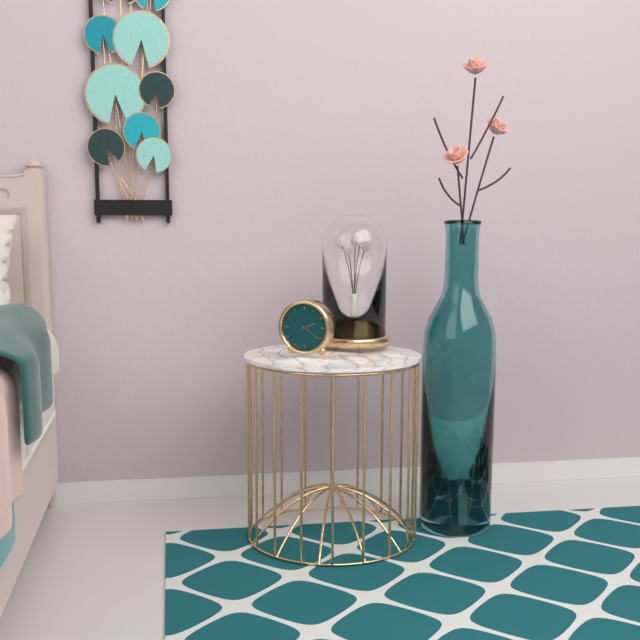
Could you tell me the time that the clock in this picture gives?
2:21
